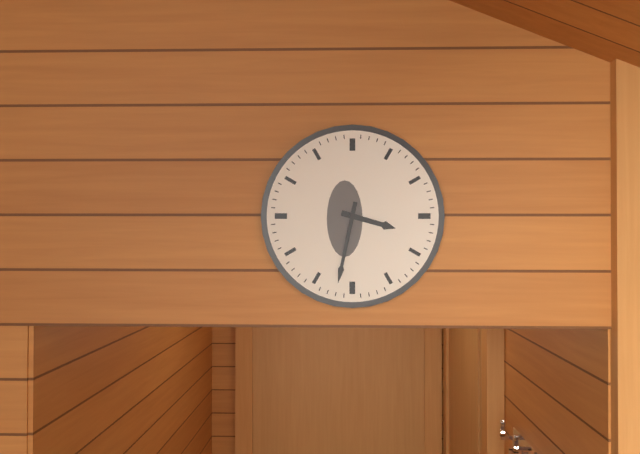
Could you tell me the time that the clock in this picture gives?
3:32
